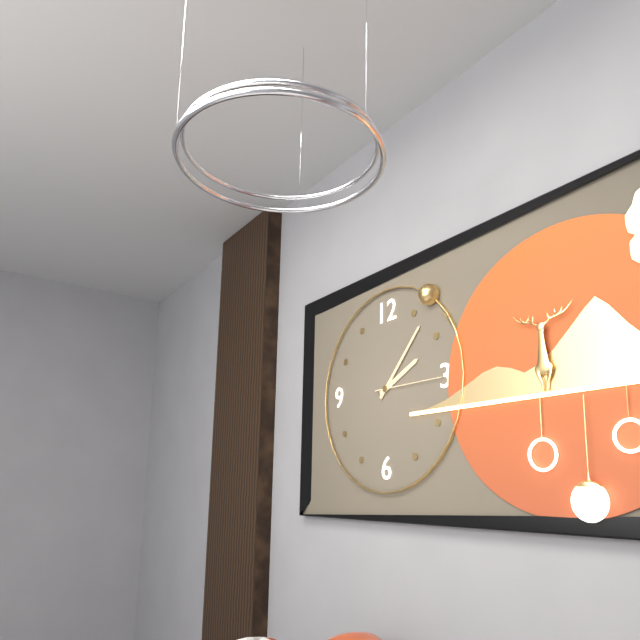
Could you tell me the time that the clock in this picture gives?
2:07:15
